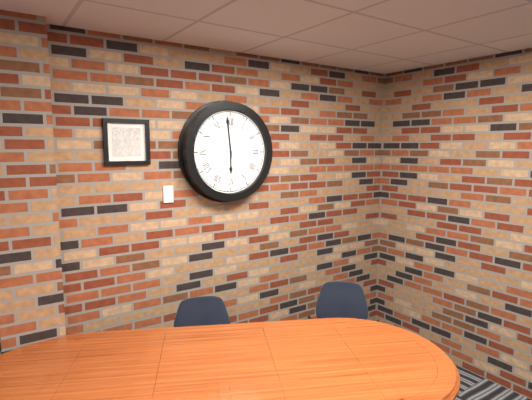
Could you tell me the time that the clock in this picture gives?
5:59
